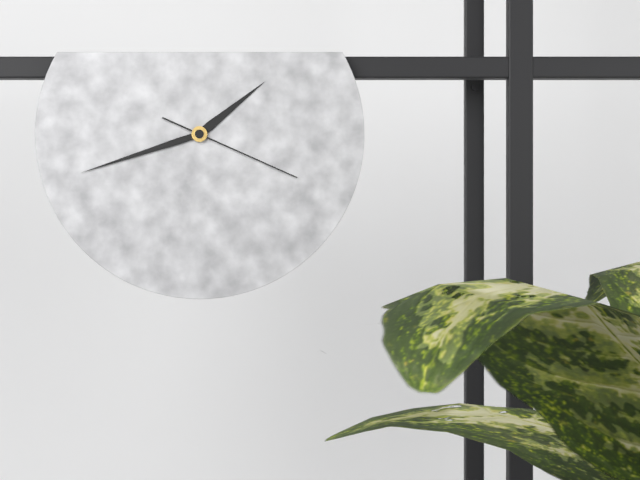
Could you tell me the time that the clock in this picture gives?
1:42:19
